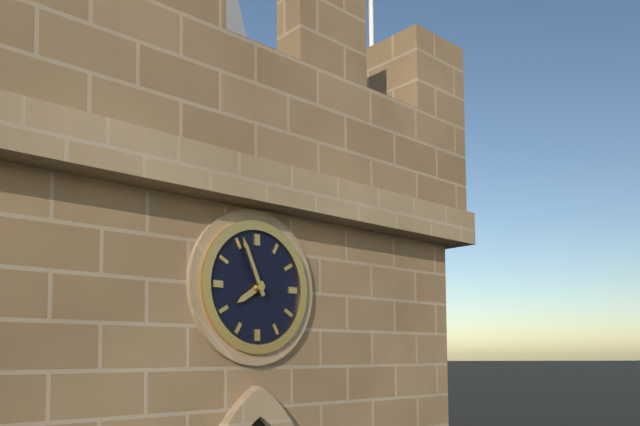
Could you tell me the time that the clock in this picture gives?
7:56
